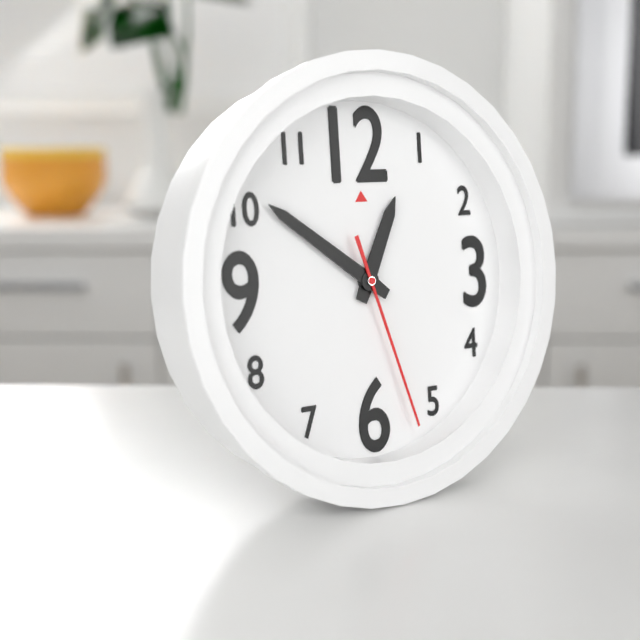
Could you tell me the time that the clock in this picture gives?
12:51:27
